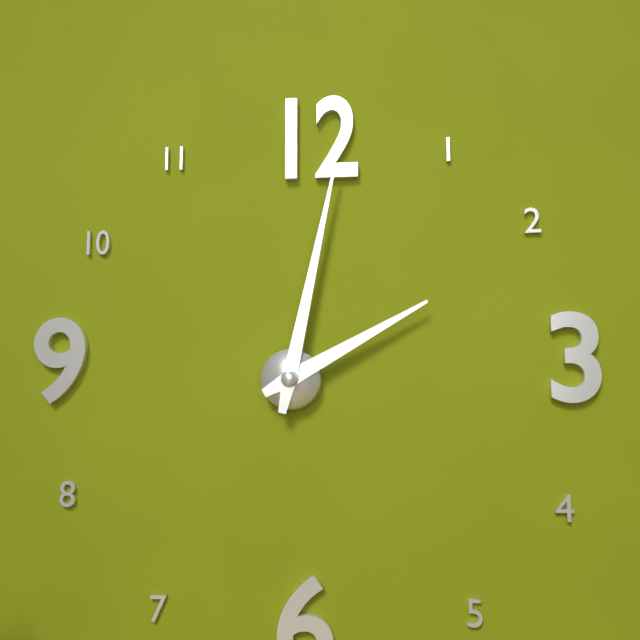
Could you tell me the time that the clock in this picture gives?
2:02
